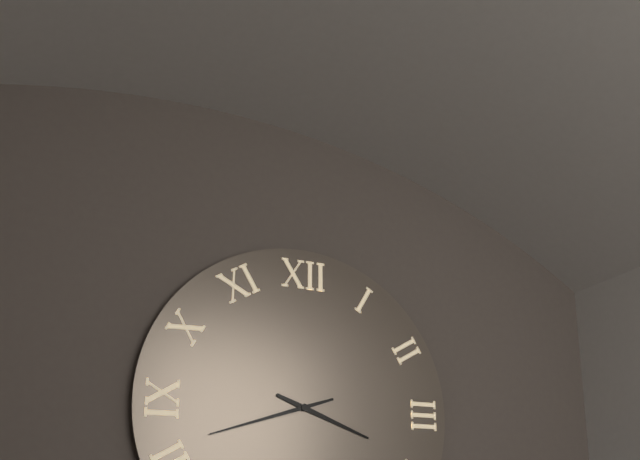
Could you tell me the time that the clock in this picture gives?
3:42
